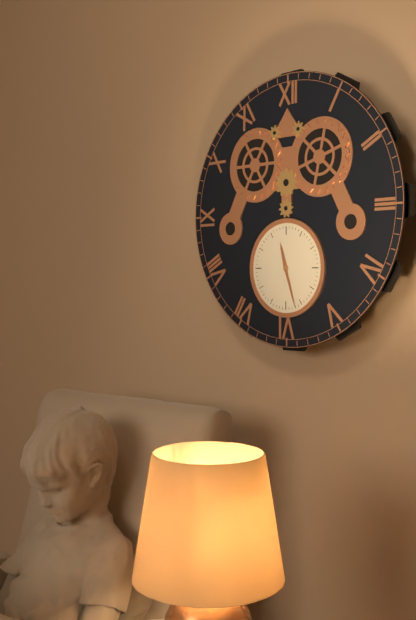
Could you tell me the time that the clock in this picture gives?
11:27
